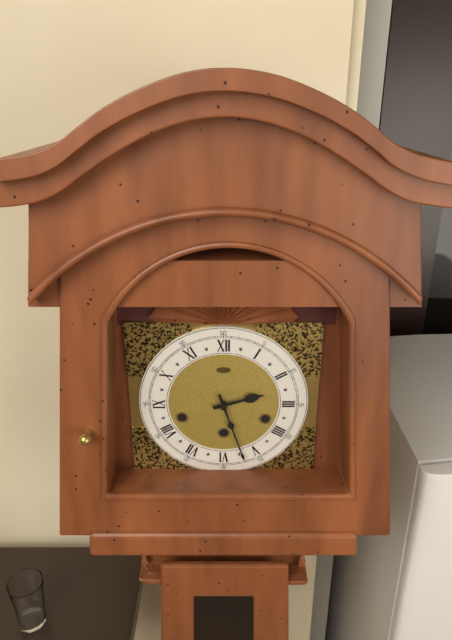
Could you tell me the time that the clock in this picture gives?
2:27
